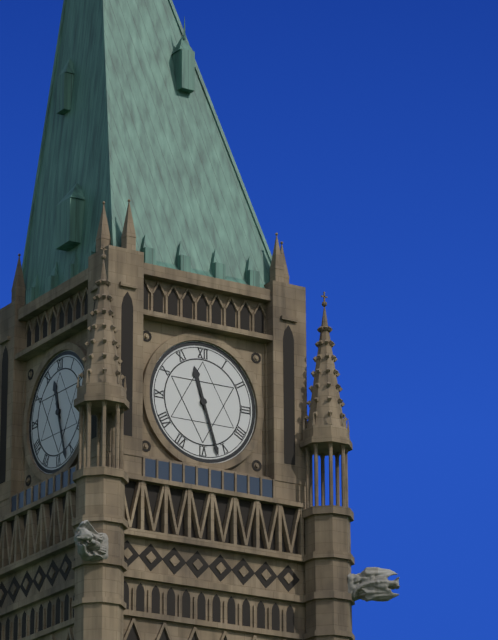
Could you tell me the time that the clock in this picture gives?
11:27
